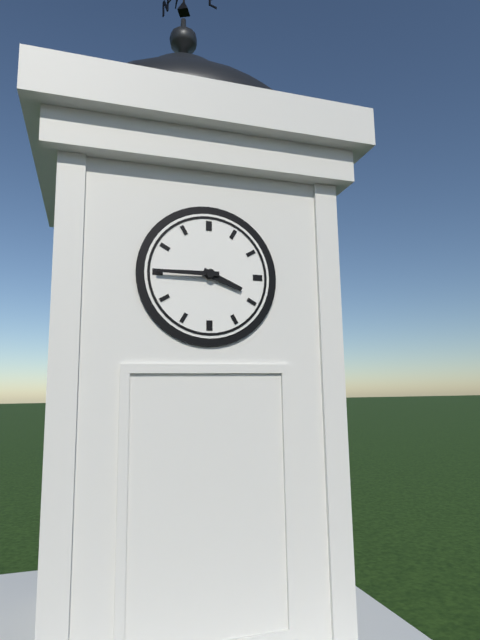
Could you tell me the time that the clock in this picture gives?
3:45
